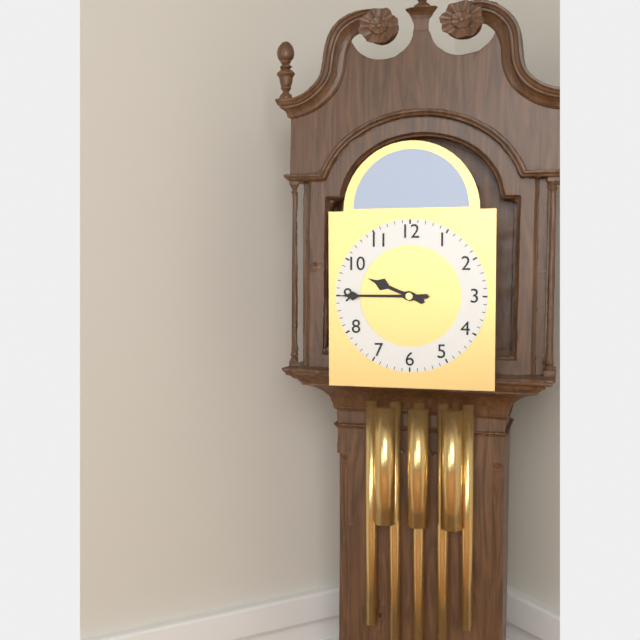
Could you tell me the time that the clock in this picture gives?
9:45
